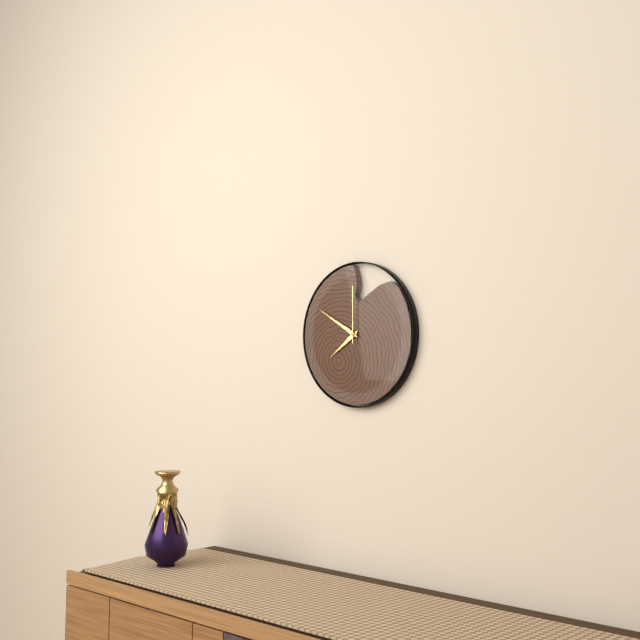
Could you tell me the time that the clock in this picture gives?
7:50:00
